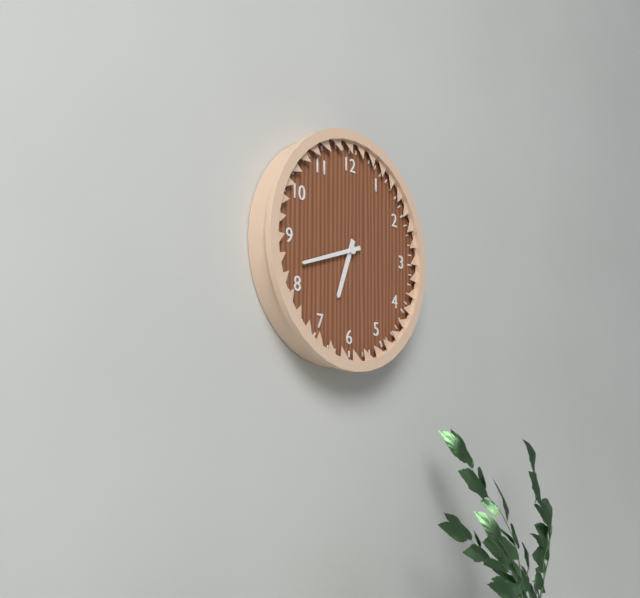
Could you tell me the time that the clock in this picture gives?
6:42
